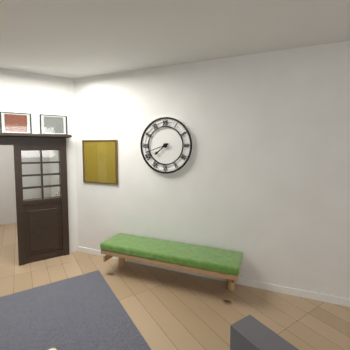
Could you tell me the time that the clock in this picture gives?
7:42
